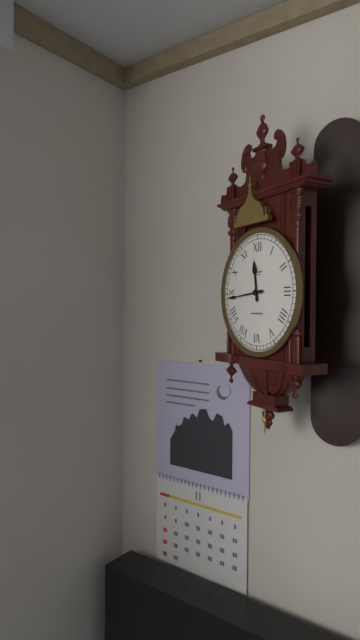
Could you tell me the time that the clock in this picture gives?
11:44
